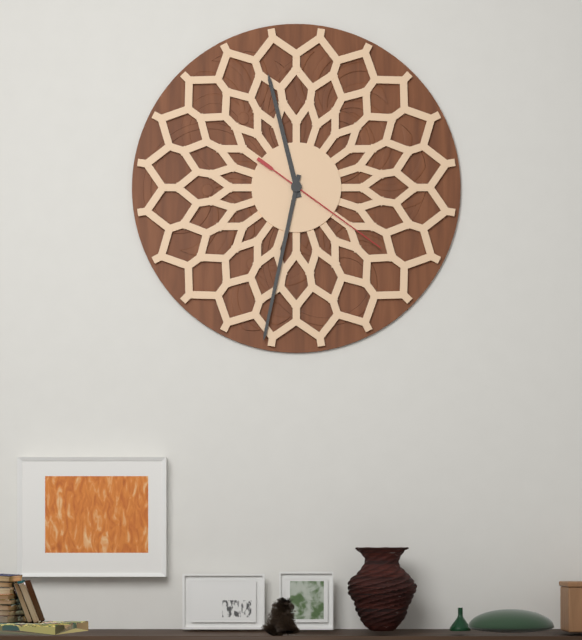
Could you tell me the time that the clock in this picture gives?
11:32:21
